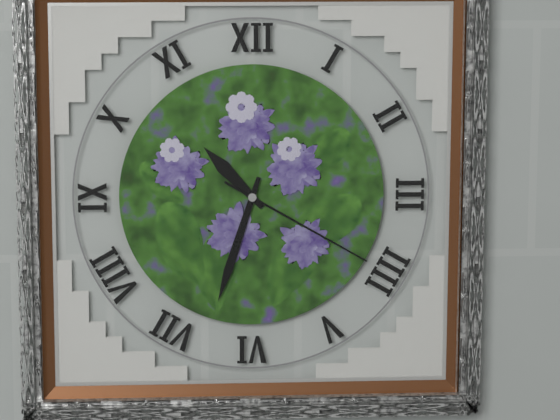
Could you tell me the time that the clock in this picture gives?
10:33:20
